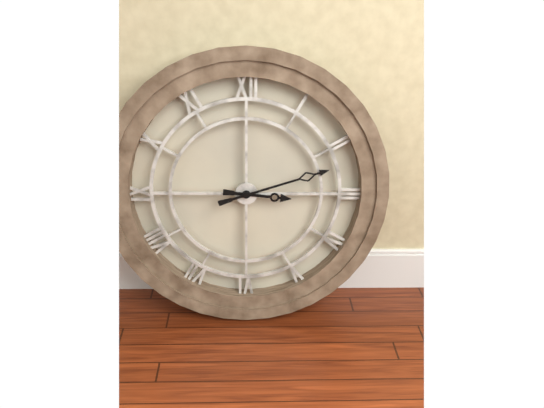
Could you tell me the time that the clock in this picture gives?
3:12
